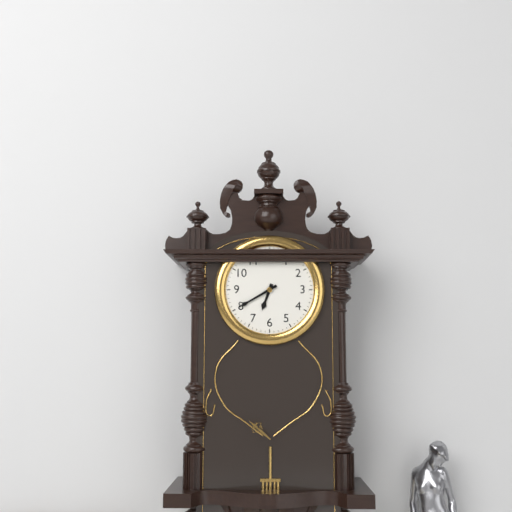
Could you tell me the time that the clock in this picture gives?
6:40
